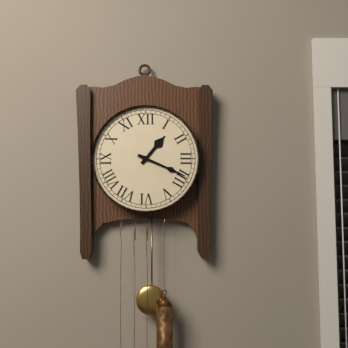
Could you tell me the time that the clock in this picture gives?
1:19
